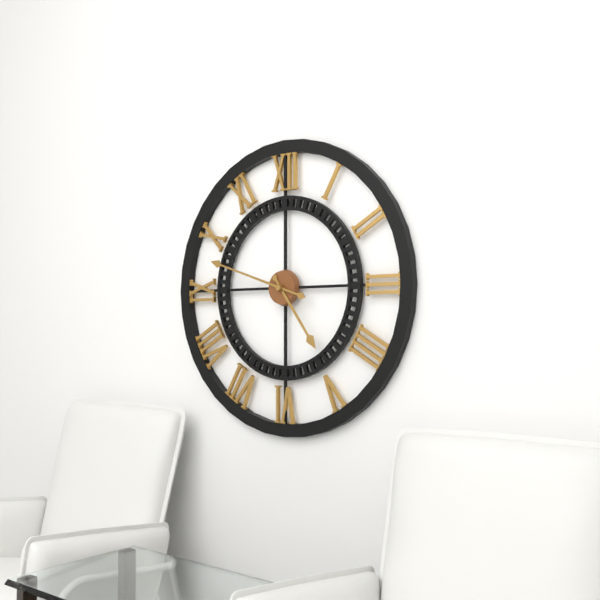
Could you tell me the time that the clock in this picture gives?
4:48
